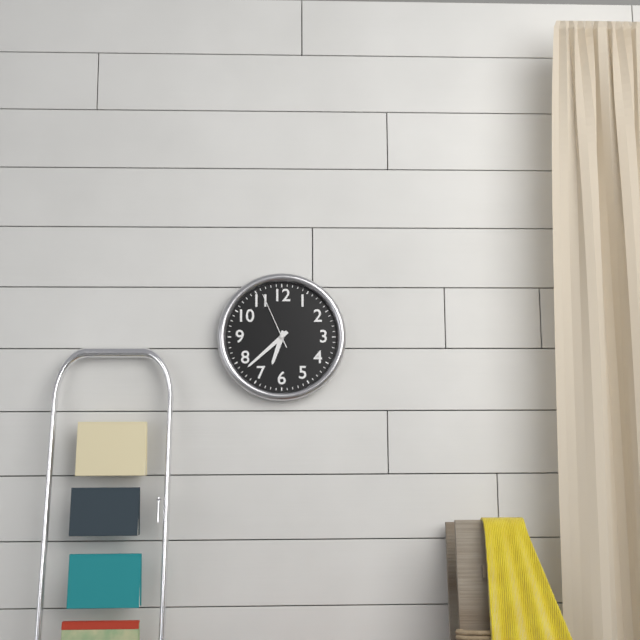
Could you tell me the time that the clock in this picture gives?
6:38:56
